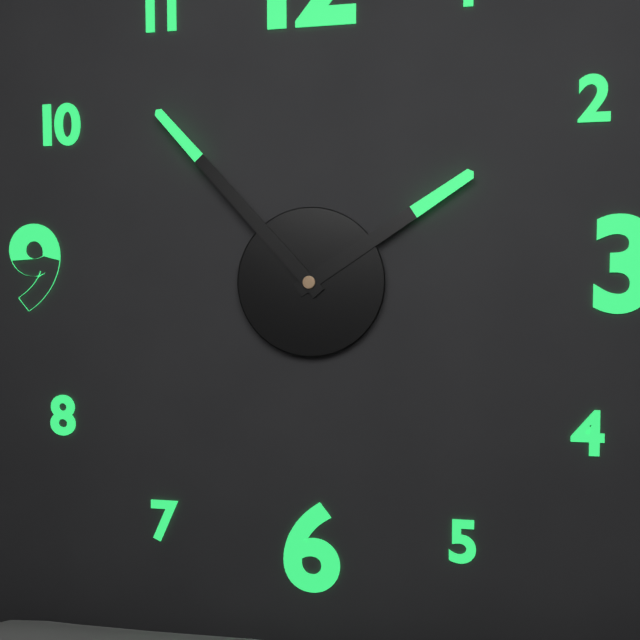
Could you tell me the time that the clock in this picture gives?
1:53
